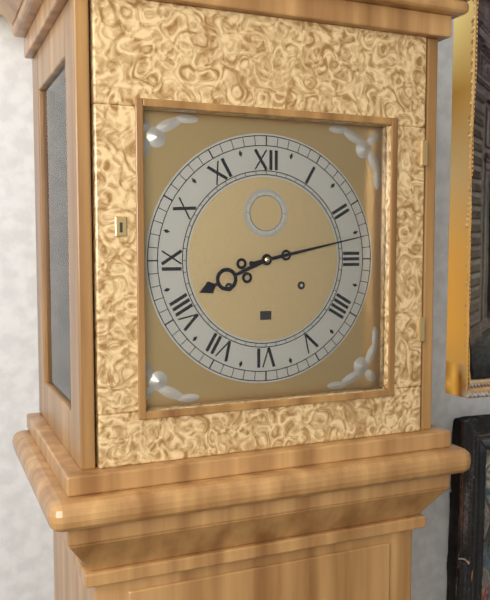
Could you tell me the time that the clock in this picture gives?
8:13
